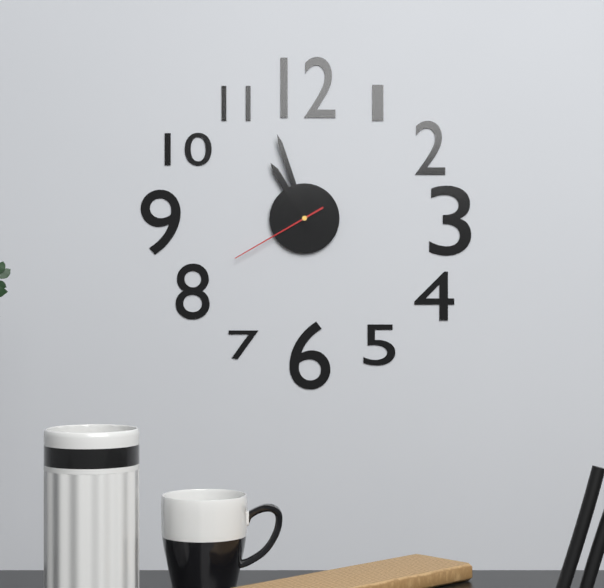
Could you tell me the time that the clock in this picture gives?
10:57:40
